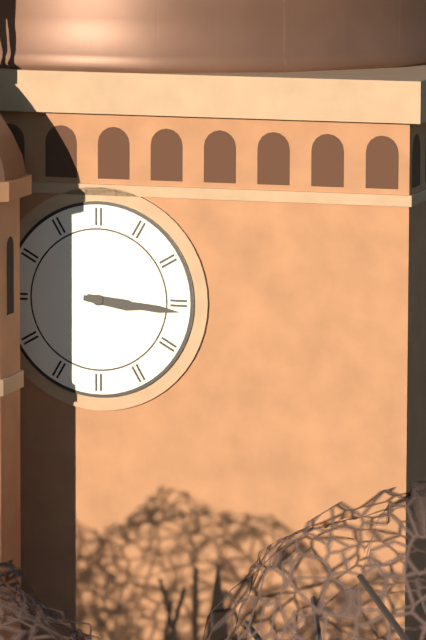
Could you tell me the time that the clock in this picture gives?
3:16
